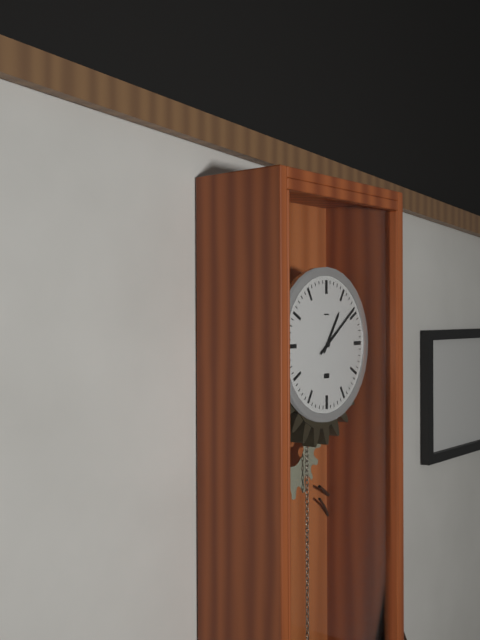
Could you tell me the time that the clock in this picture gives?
1:09
